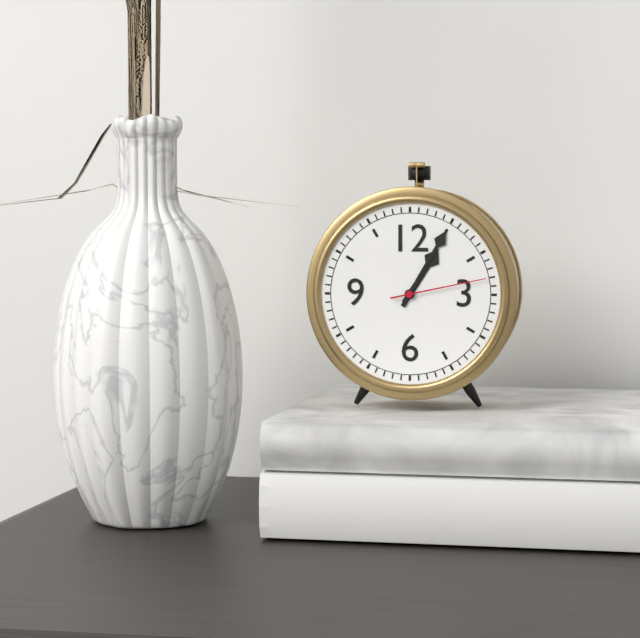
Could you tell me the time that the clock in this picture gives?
1:05:13
